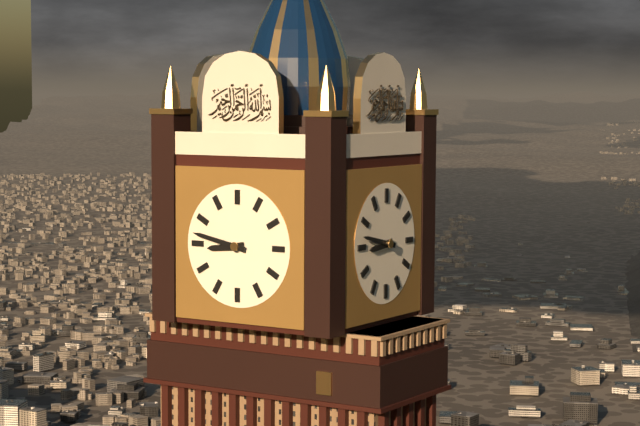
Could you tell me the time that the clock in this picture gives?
8:47
